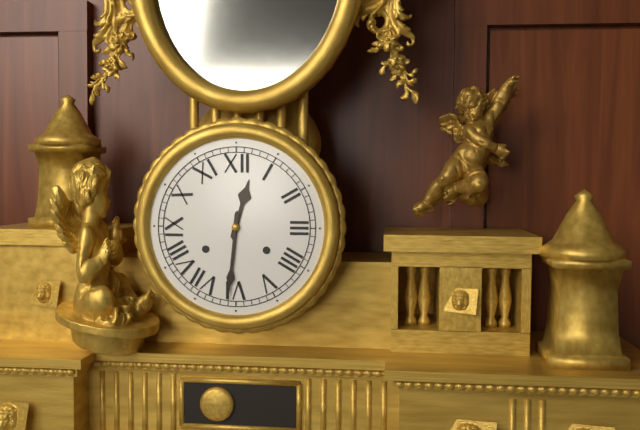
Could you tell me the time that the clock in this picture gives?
12:31
